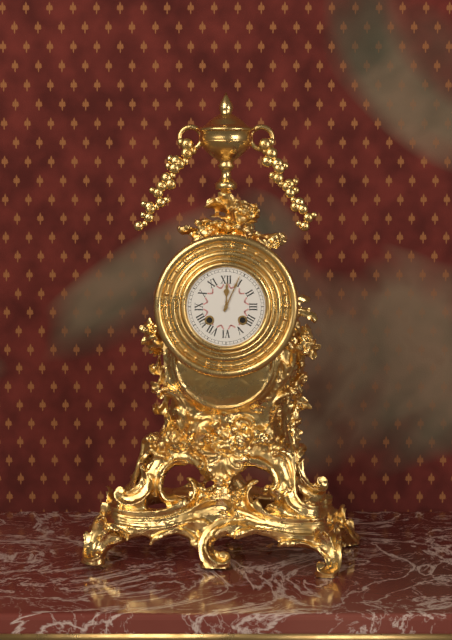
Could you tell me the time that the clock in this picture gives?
12:04
